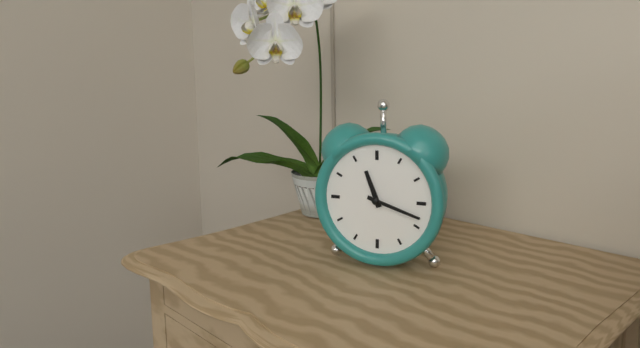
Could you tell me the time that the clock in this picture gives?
11:18
